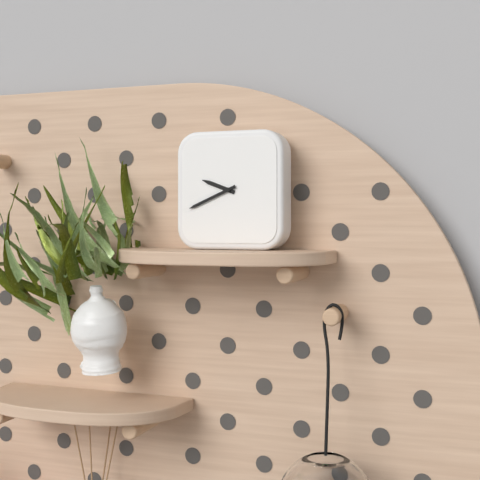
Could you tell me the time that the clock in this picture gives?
9:41
